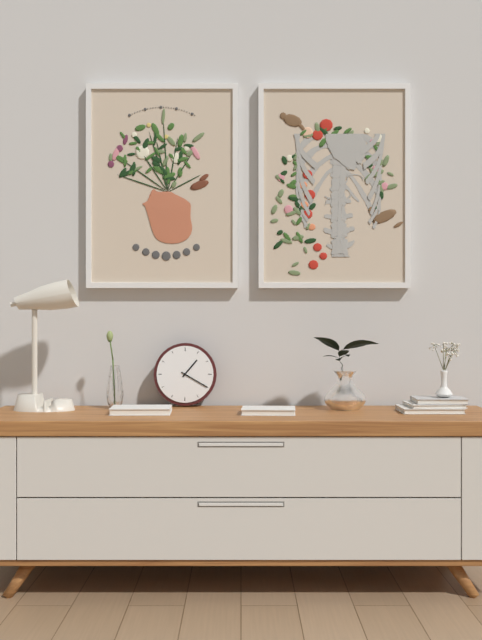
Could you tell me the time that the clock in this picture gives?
1:20
